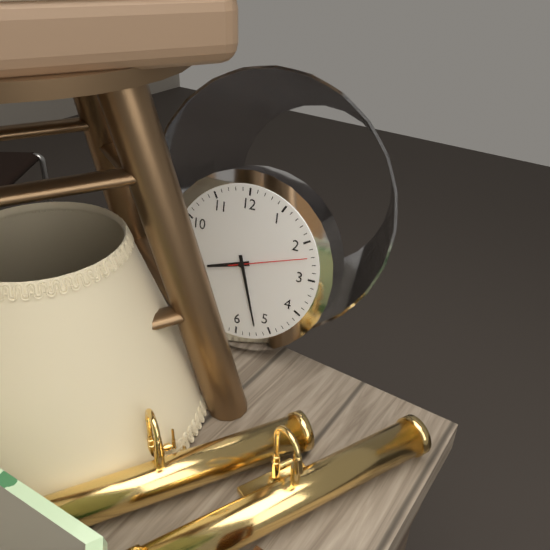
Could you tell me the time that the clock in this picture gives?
8:27:12
